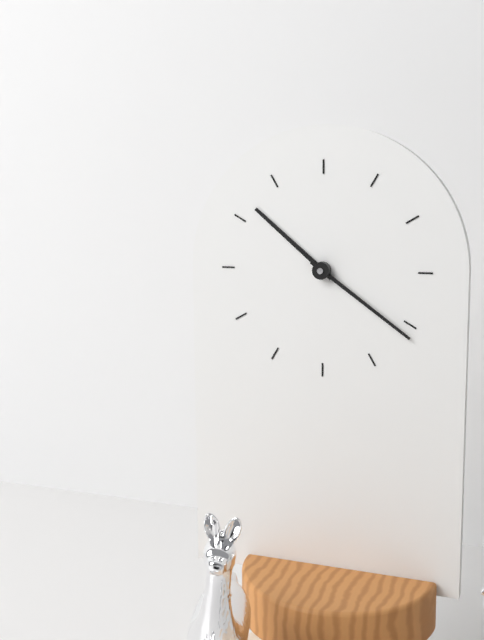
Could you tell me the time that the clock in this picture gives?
10:21
